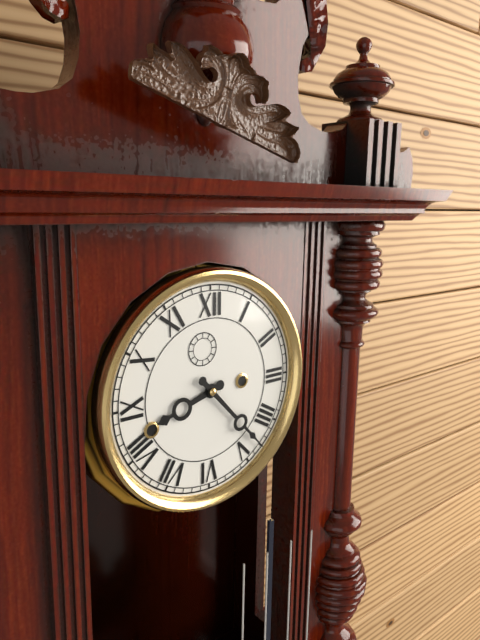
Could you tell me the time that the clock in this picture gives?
8:23
